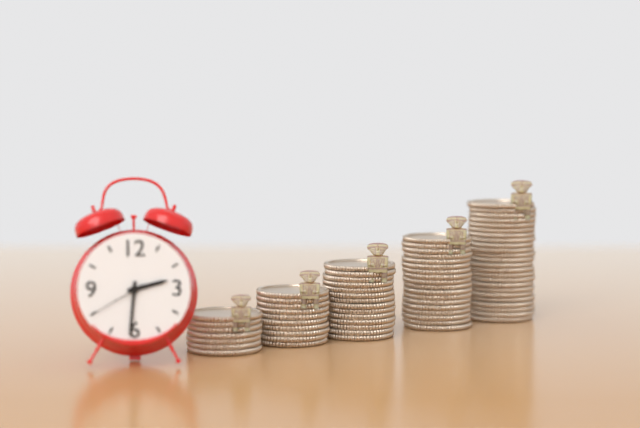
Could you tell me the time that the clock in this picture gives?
2:31:40
